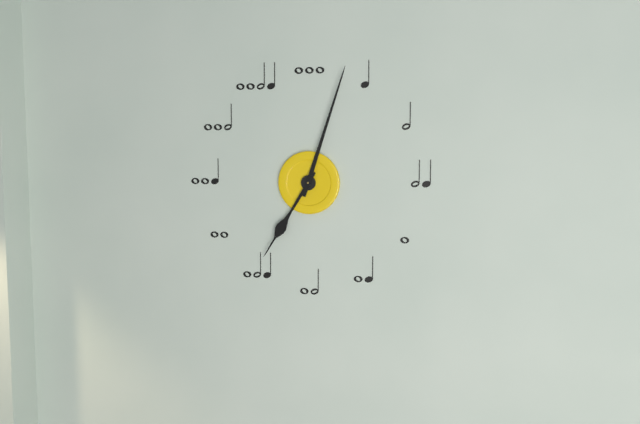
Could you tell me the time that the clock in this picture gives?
7:03
